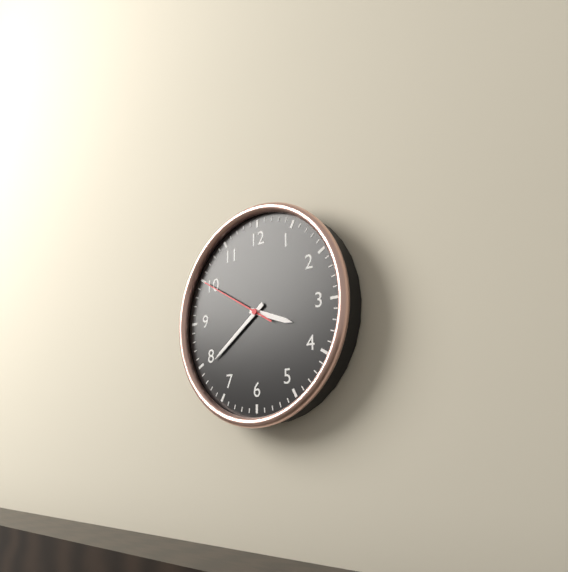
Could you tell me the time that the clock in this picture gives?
3:39:50
